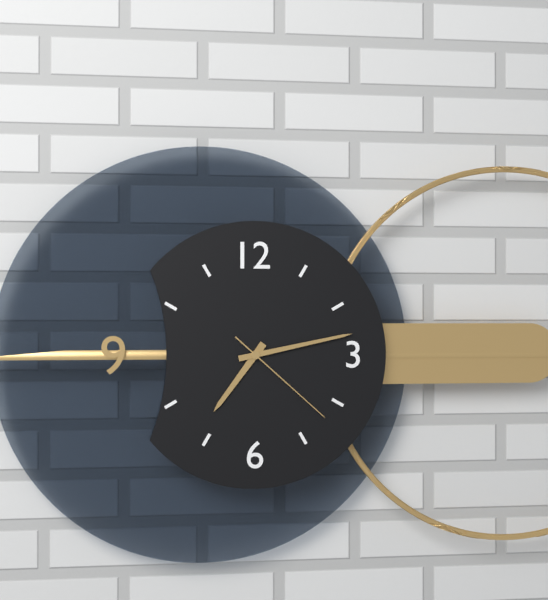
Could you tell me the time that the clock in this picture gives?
7:13:22
